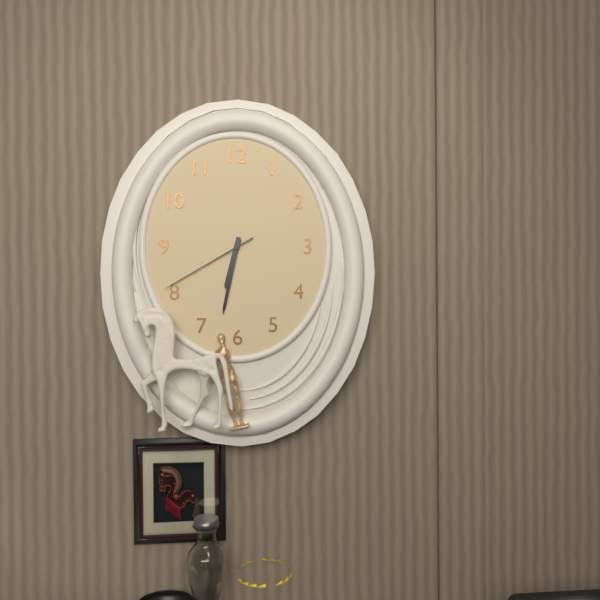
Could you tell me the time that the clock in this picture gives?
6:32:40
